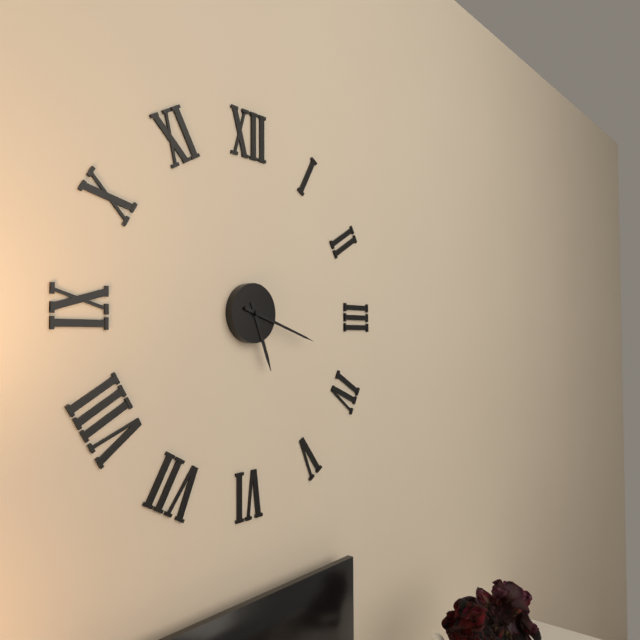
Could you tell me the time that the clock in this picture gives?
5:18
